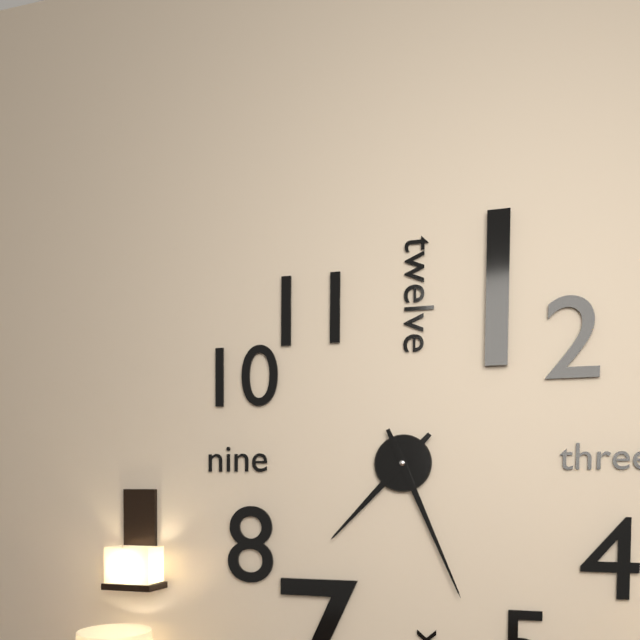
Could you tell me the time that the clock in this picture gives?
7:26
